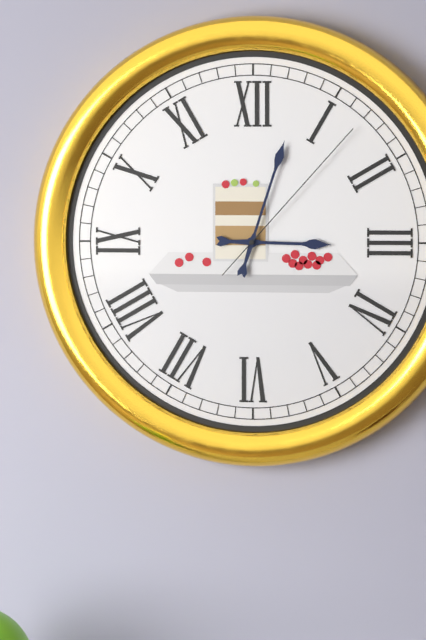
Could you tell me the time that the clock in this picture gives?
3:03:07
